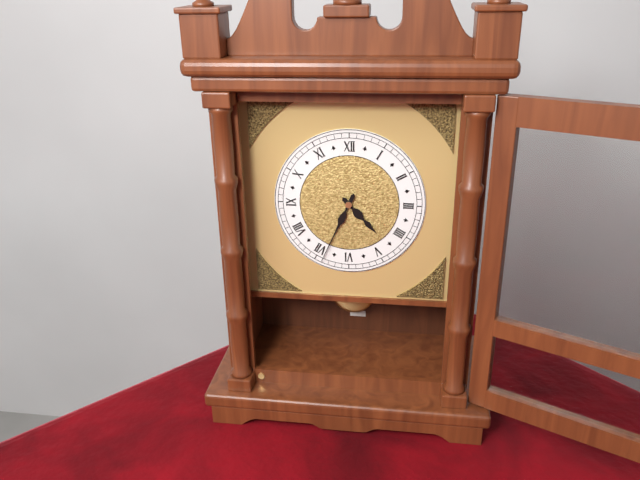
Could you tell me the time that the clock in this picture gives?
4:34
